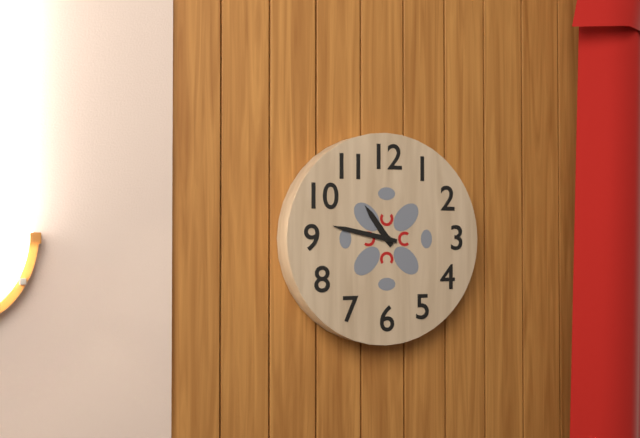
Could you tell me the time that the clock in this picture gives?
10:47
